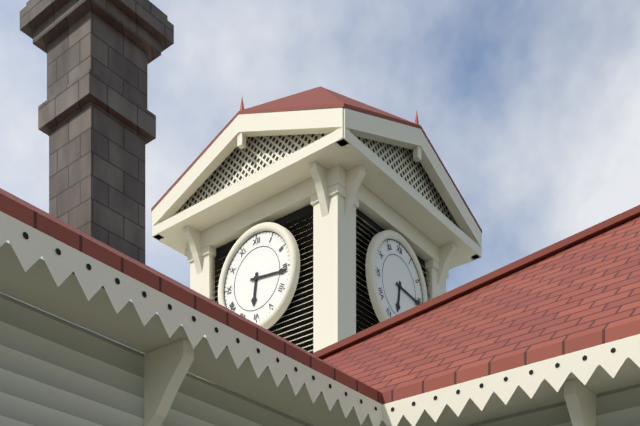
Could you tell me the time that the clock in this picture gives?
6:16
